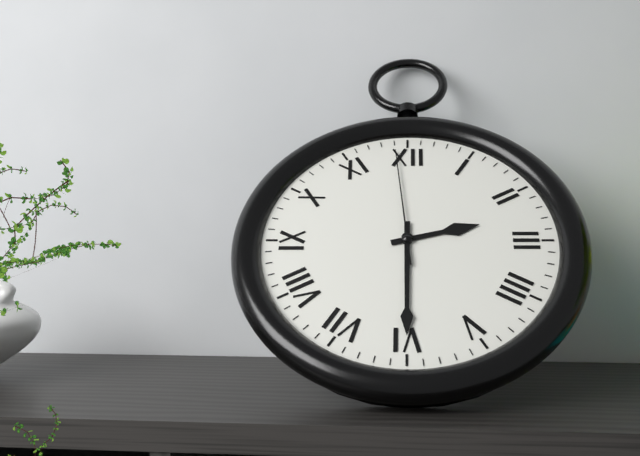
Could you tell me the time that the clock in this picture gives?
2:30:59
